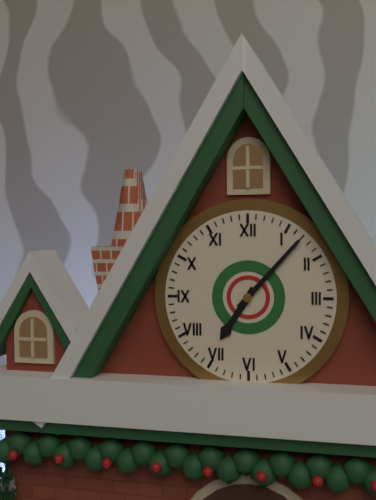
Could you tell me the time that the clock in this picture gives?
7:07
